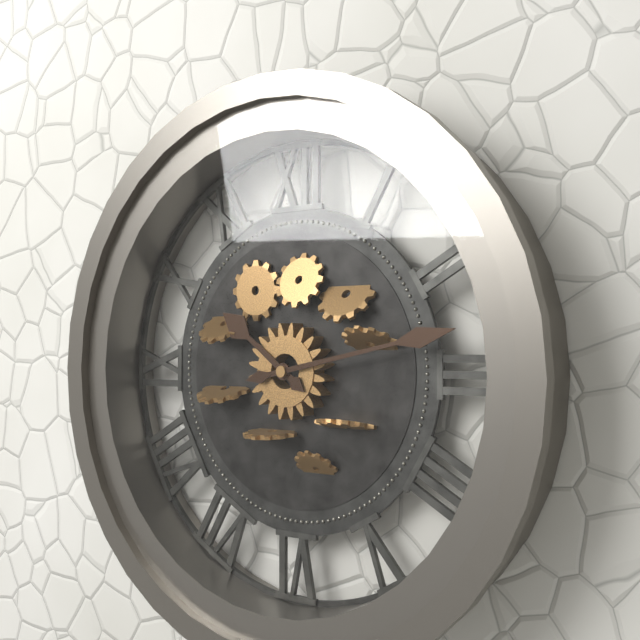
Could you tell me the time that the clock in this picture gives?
10:13
